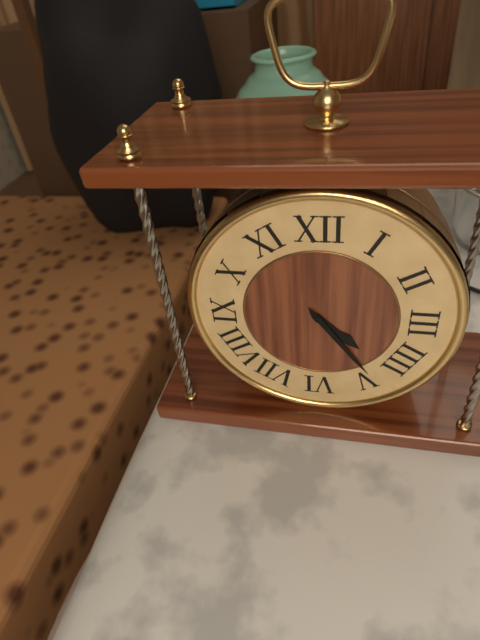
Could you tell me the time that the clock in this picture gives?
4:24
